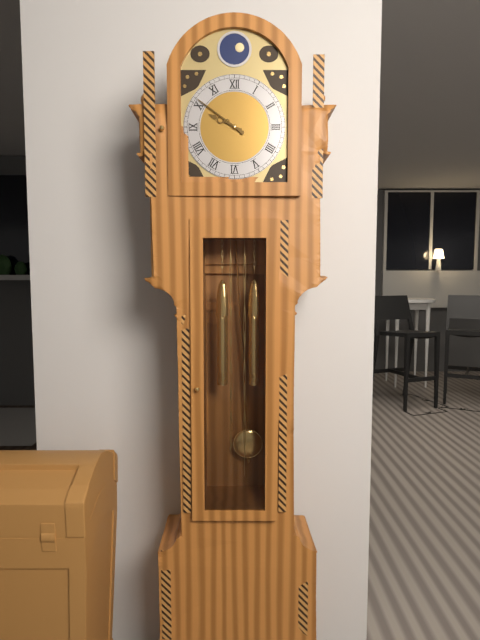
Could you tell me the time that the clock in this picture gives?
9:51
